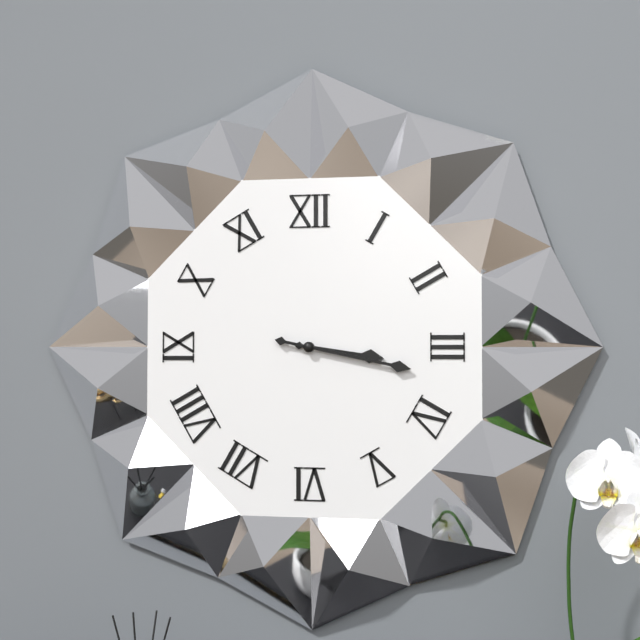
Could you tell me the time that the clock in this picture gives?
3:17
